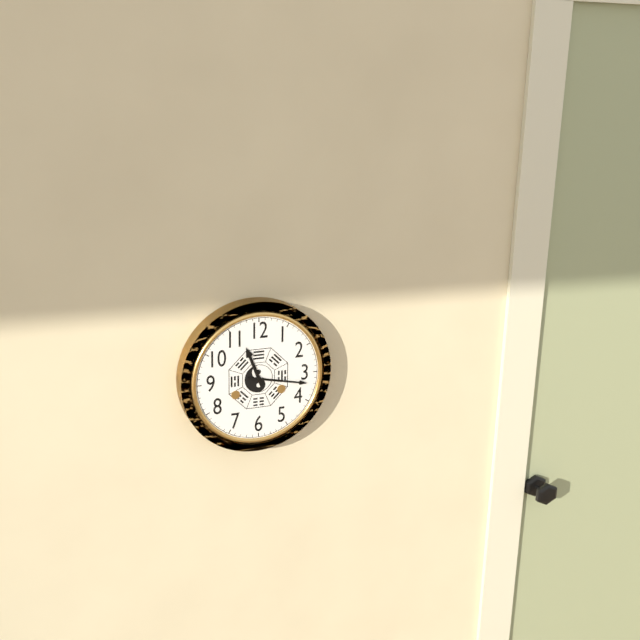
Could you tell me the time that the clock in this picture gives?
11:17
